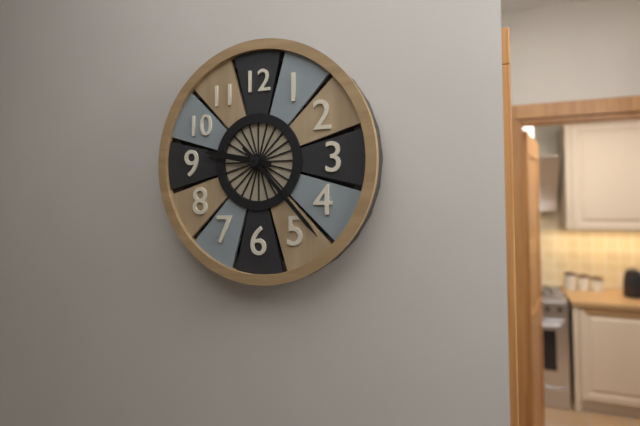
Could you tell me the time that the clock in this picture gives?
9:23
